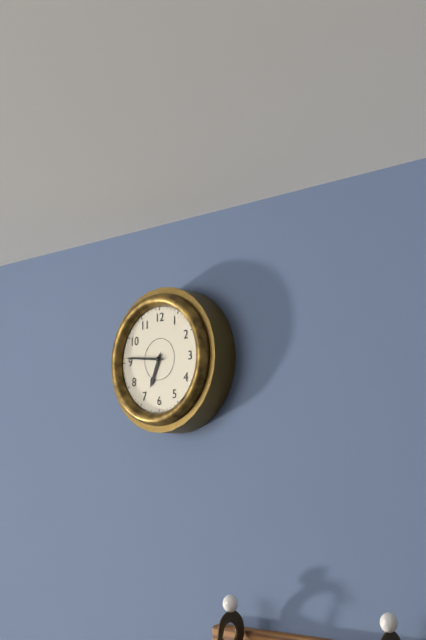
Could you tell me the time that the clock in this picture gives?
6:46
